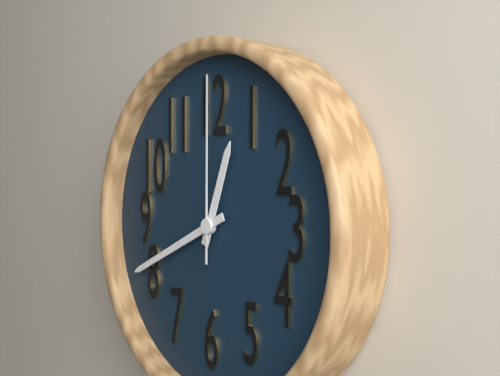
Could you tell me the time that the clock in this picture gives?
12:41:00
